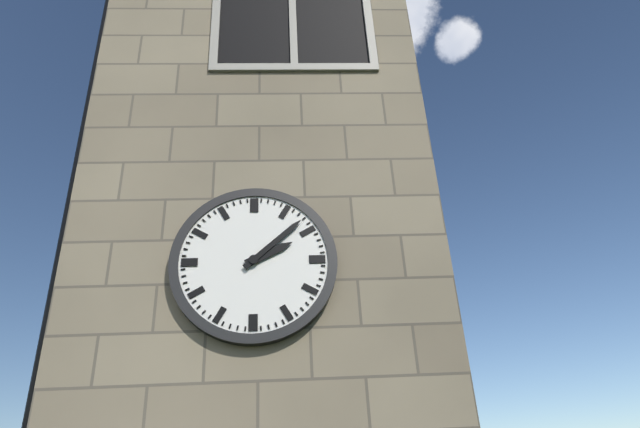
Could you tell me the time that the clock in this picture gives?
2:08
